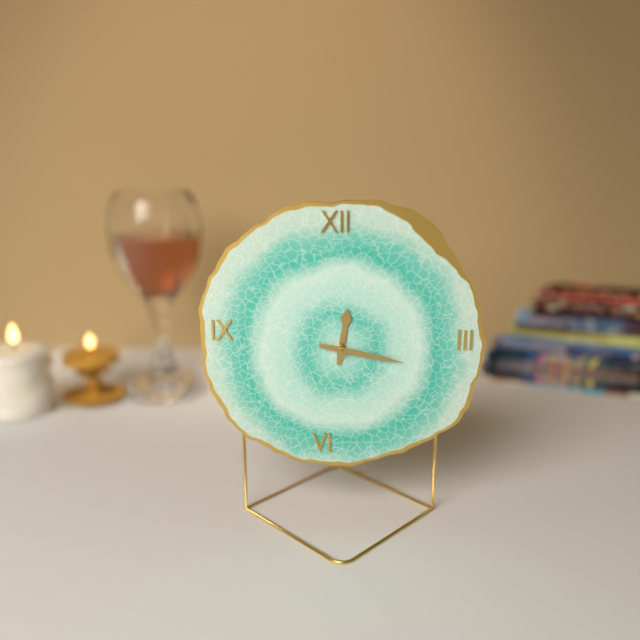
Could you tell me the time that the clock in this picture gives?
12:17
